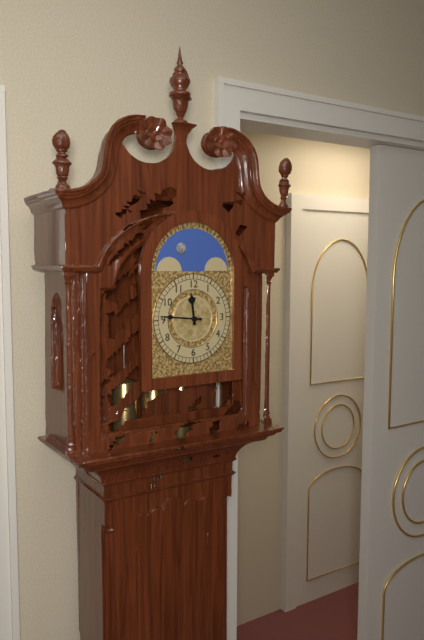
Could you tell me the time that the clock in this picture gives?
11:46
